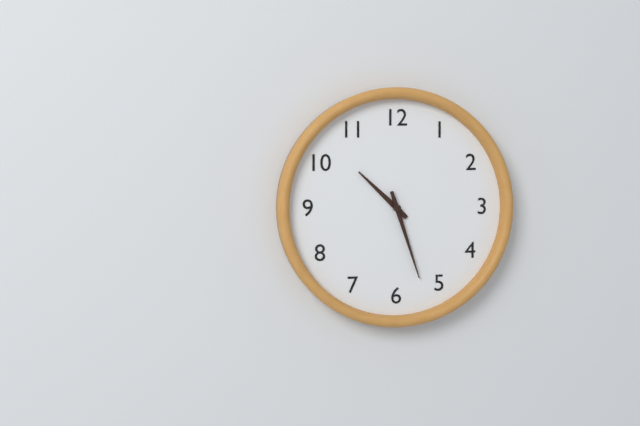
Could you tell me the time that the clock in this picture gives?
10:27
